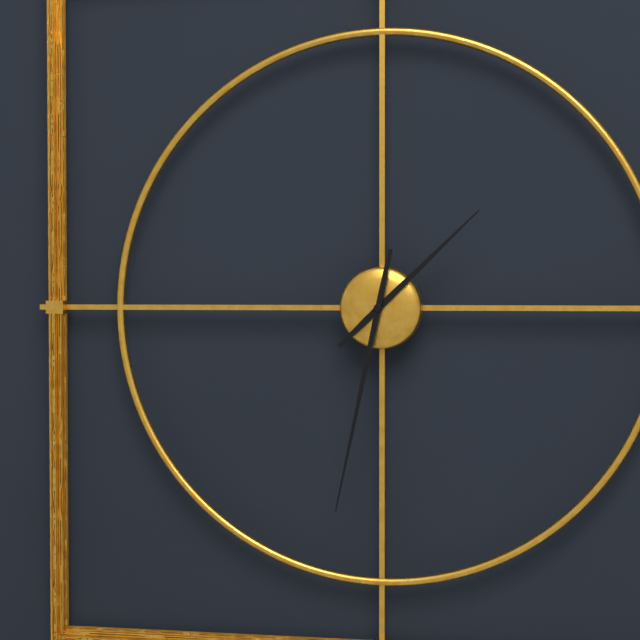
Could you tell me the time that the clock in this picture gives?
1:32
